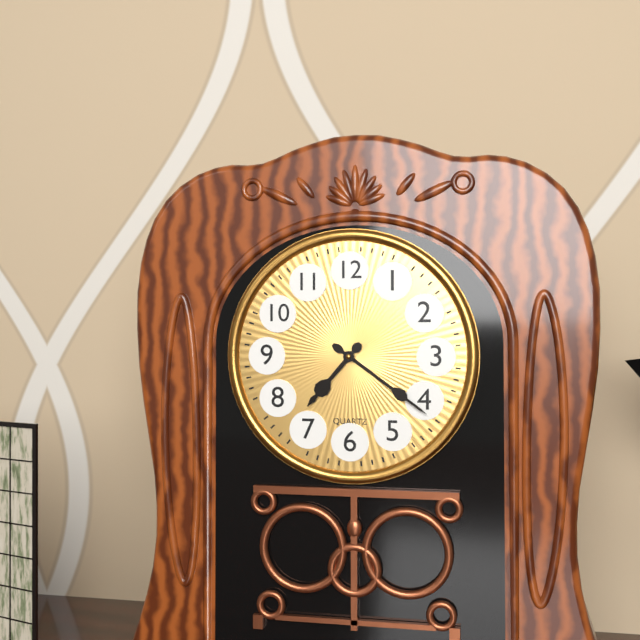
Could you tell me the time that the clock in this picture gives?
7:21
